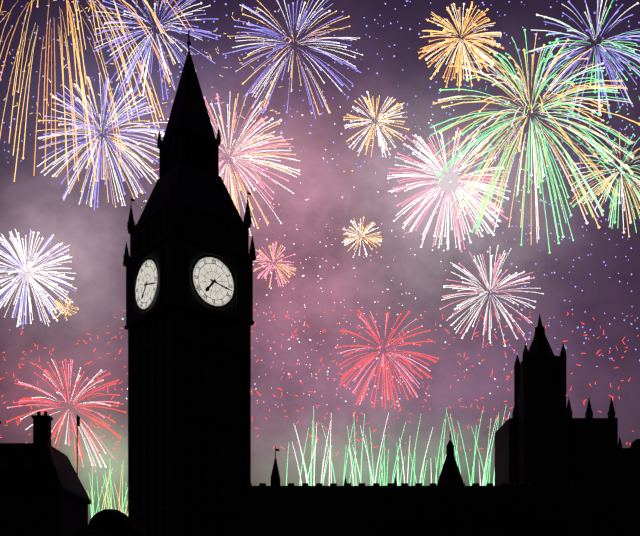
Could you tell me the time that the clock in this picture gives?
7:17
